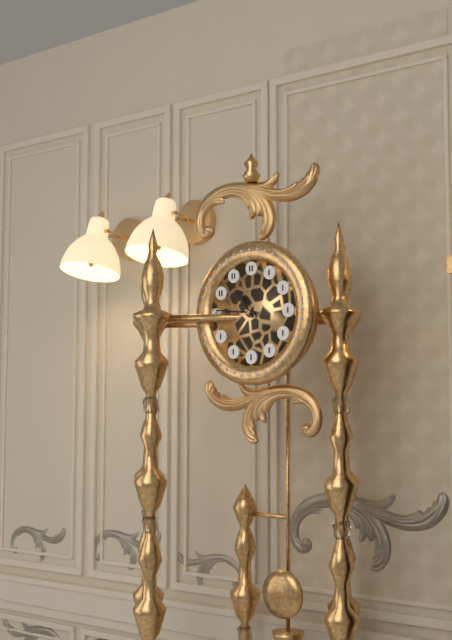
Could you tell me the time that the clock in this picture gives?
10:46
